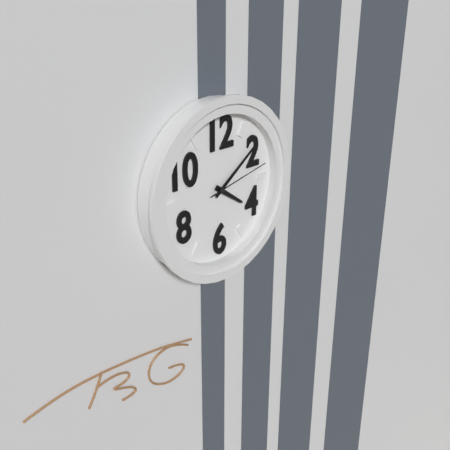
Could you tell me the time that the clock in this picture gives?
4:09:13
